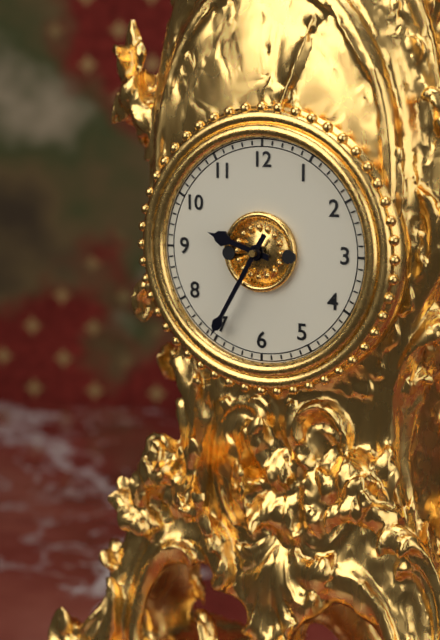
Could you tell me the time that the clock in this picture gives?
9:35
